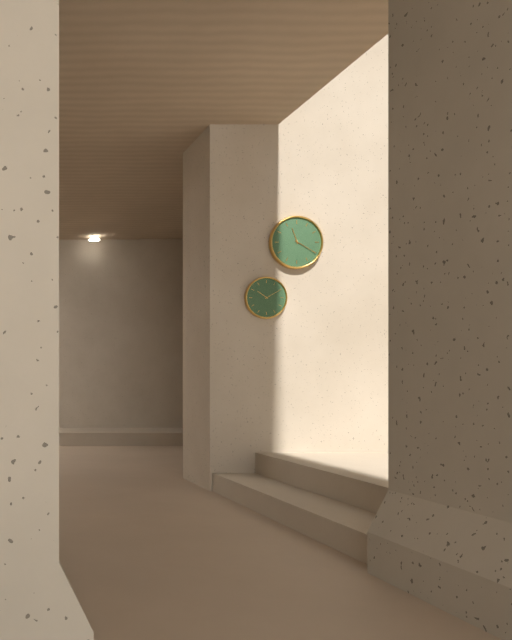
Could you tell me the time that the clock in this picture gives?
11:20
